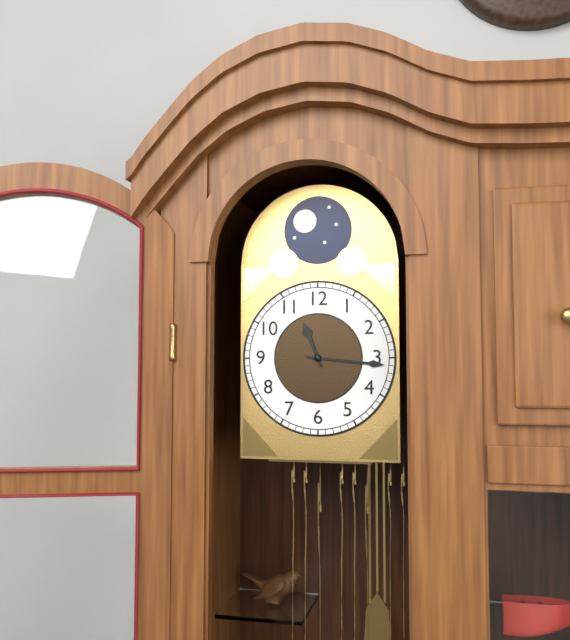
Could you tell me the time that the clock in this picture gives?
11:16
